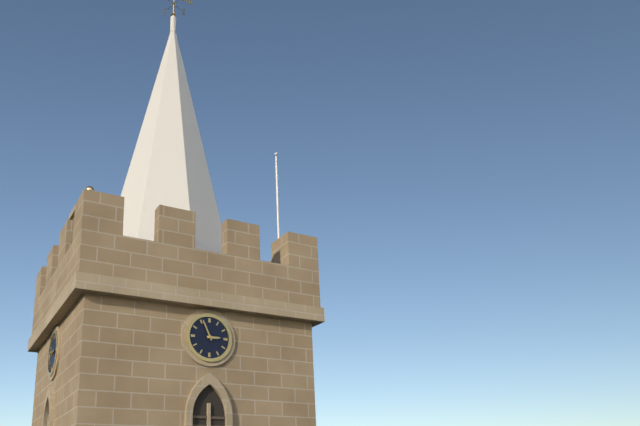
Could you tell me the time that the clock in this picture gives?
2:56
